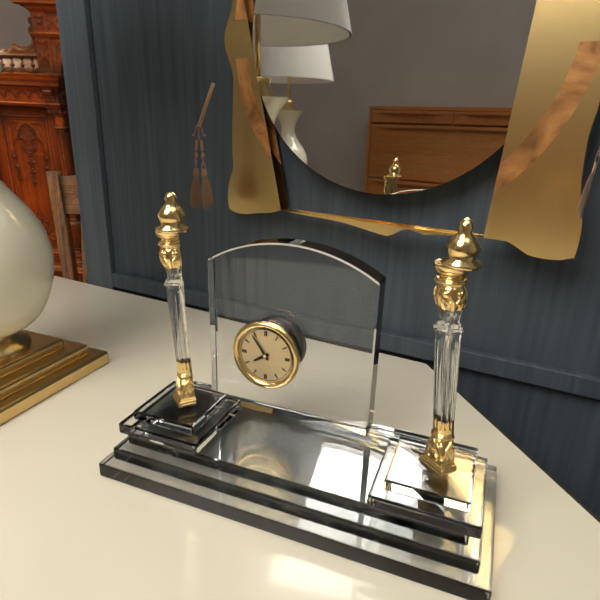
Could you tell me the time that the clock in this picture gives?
7:54
